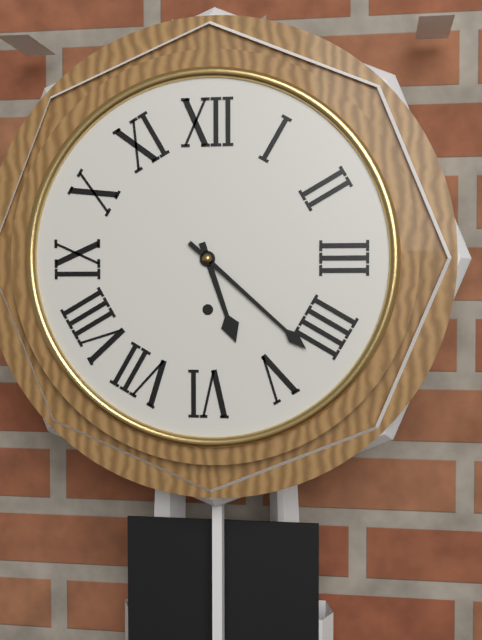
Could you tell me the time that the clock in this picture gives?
5:22
